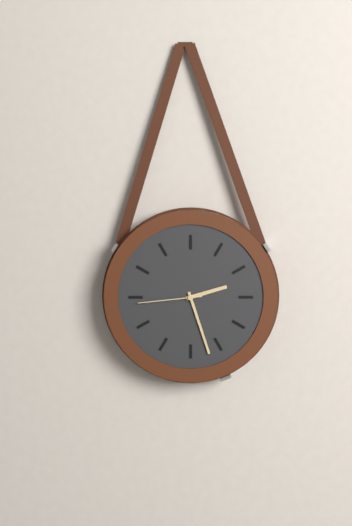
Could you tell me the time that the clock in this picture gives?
2:27:44
